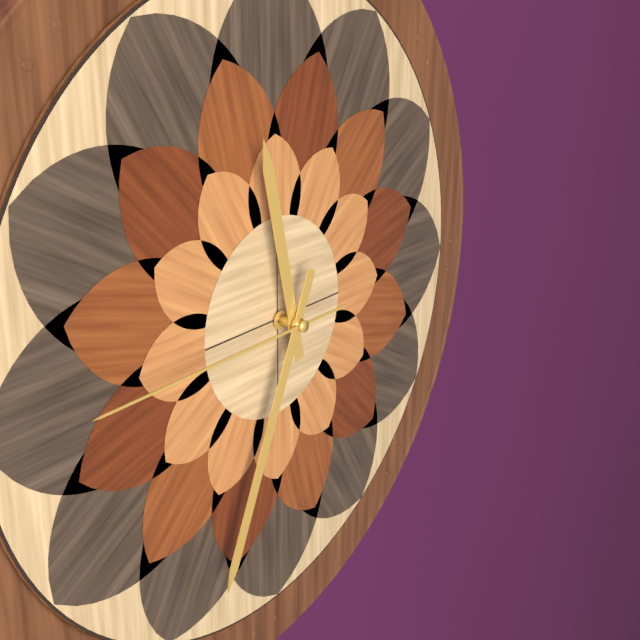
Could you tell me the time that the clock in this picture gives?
11:34:45
